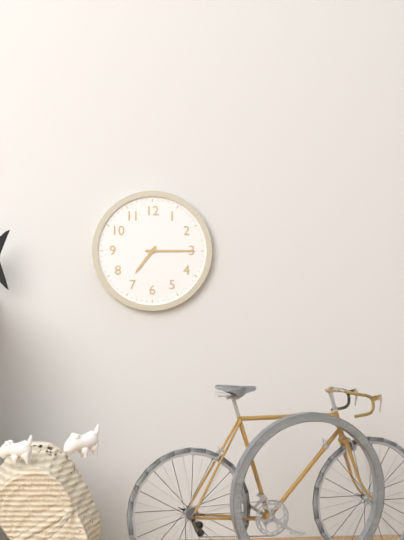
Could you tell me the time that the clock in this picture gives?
7:15
